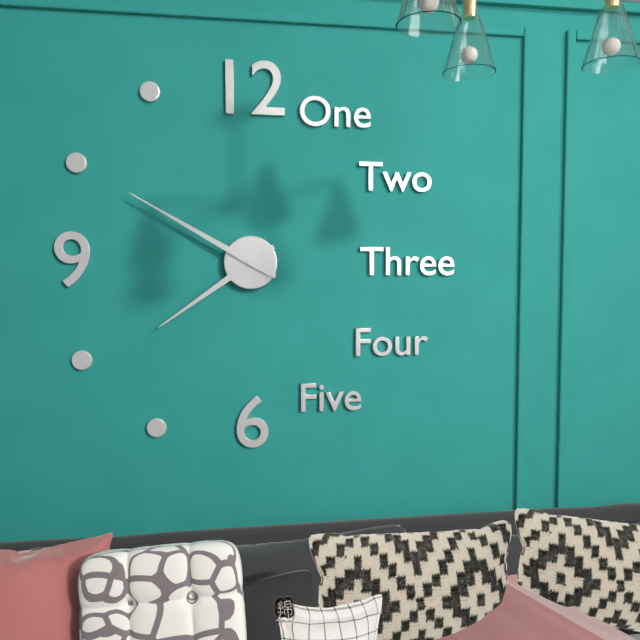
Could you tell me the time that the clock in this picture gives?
7:50
